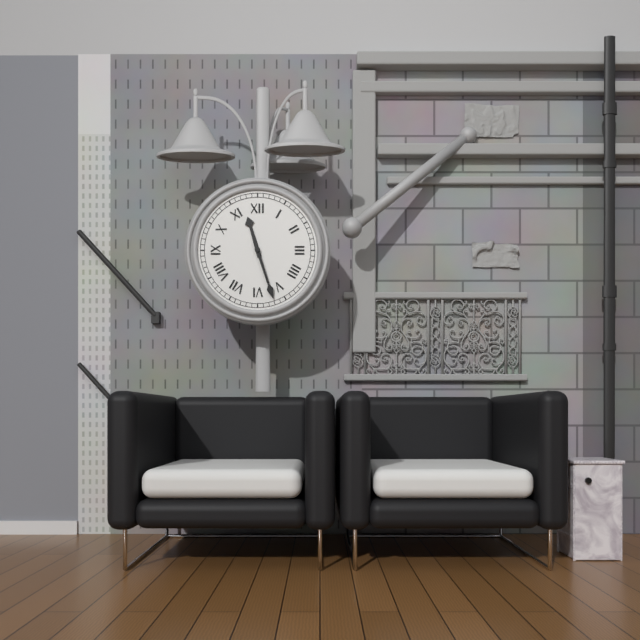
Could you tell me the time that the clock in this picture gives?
11:27
